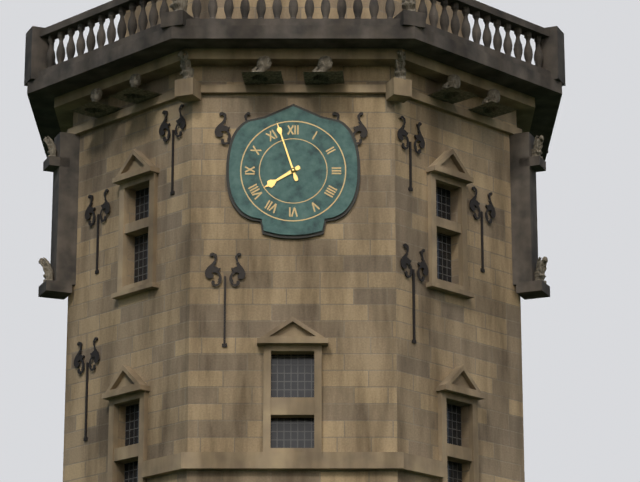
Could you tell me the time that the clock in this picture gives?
7:57
